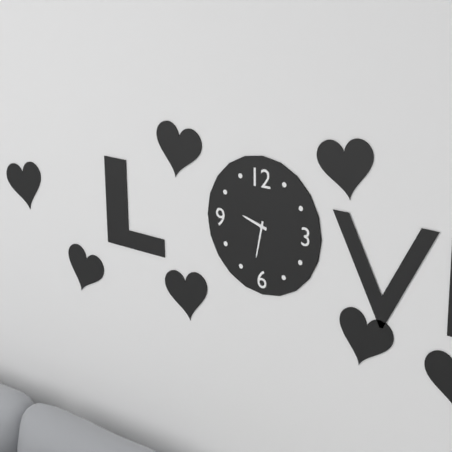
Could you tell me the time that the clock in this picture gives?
9:32
